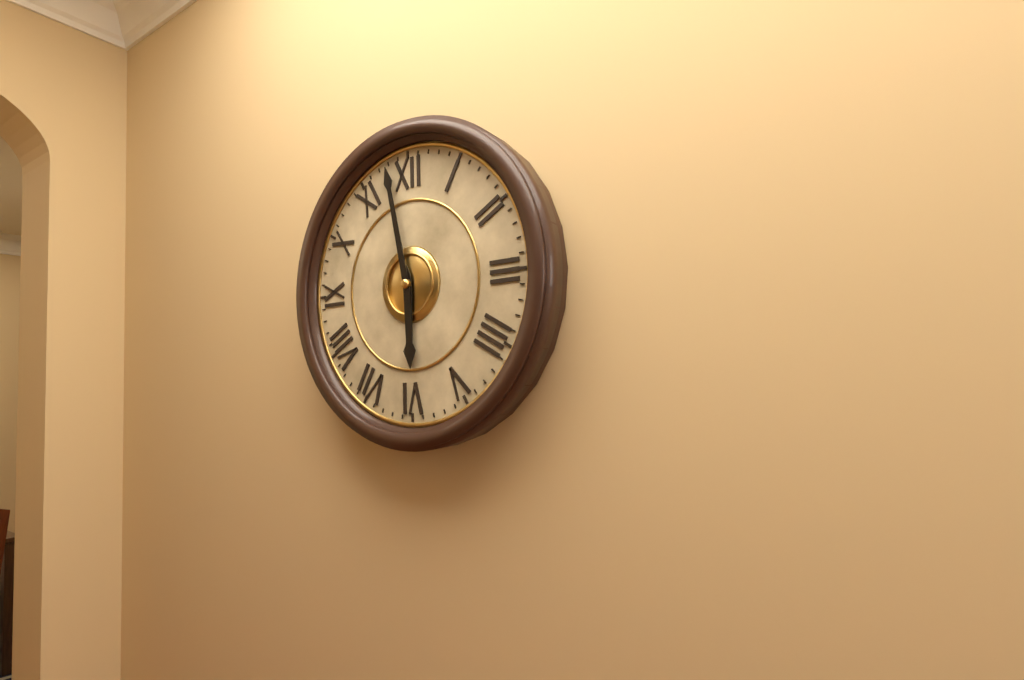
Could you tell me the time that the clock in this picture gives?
5:58
